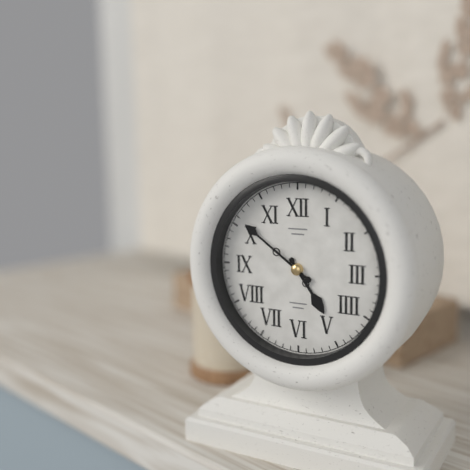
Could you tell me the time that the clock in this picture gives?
4:51
